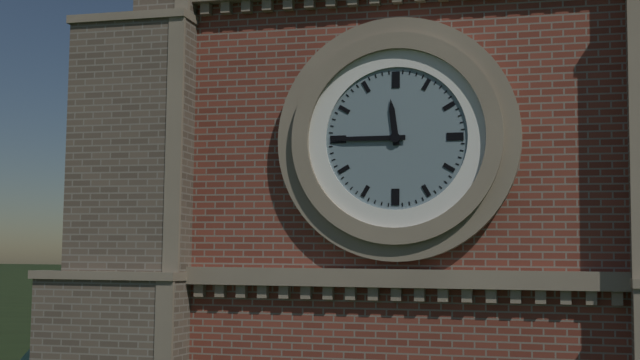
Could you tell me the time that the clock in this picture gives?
11:45
